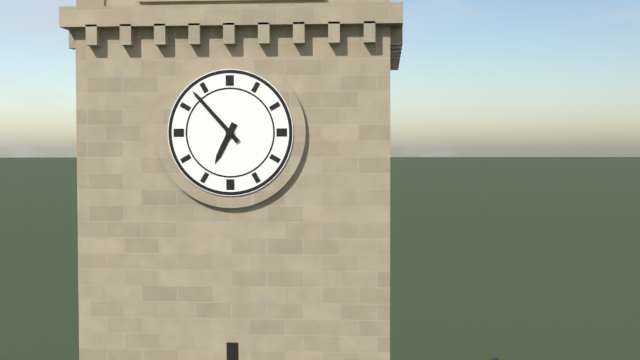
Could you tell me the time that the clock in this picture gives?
6:53
